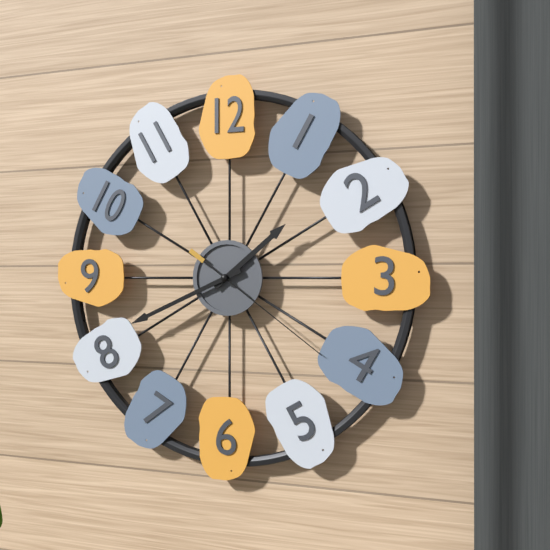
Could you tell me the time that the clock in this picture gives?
1:41:21
